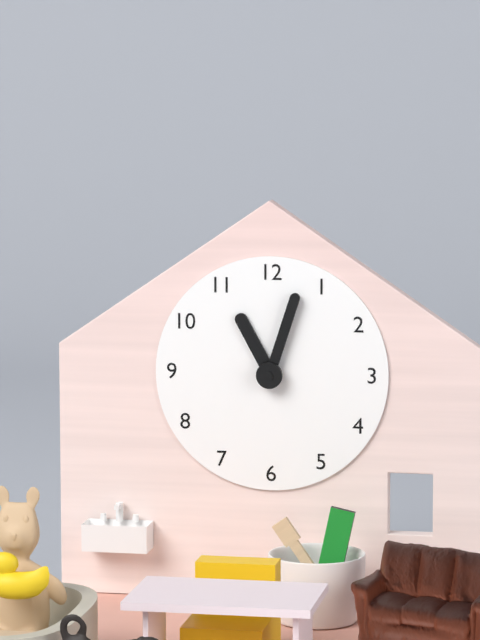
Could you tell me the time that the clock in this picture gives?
11:03
